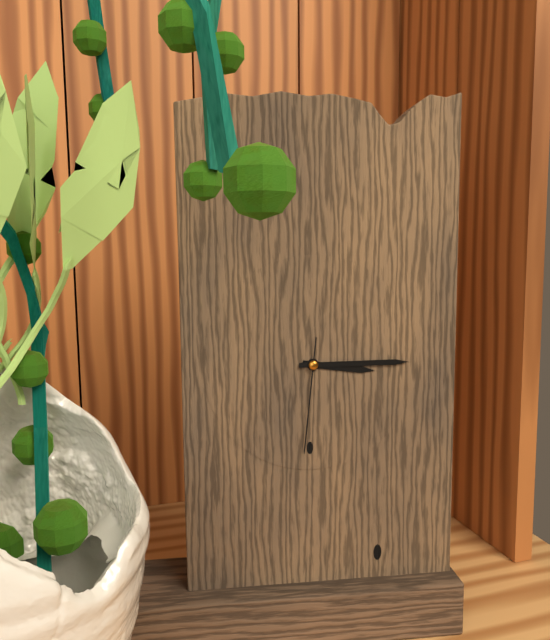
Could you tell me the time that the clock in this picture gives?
3:15:31
